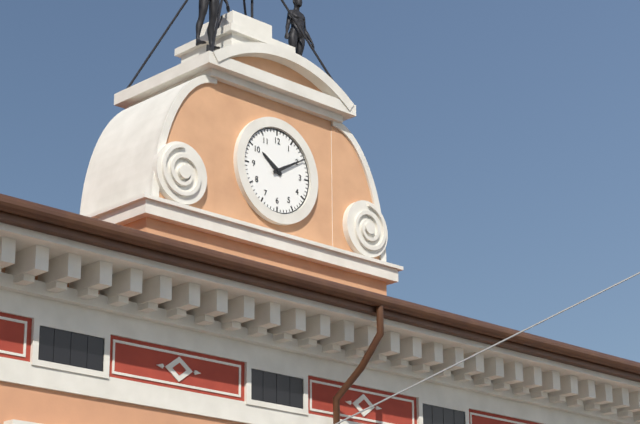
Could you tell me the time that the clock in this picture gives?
10:10
